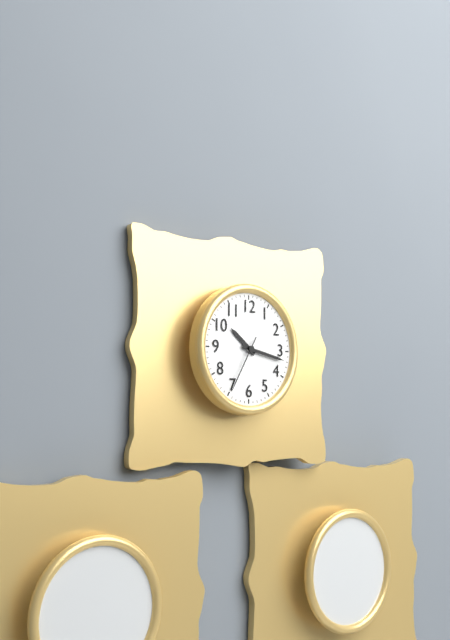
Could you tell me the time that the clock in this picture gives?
10:17:35
